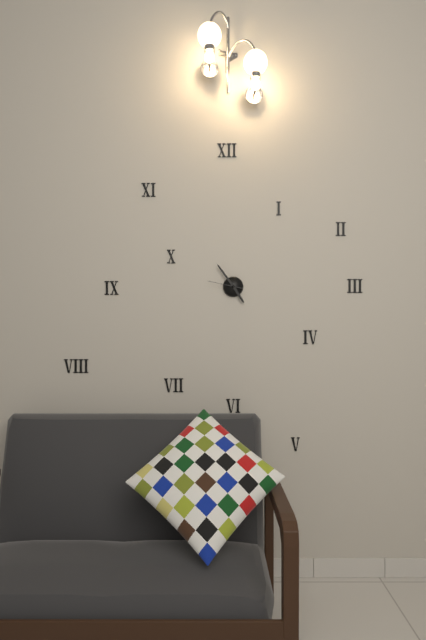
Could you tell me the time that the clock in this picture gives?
4:54
